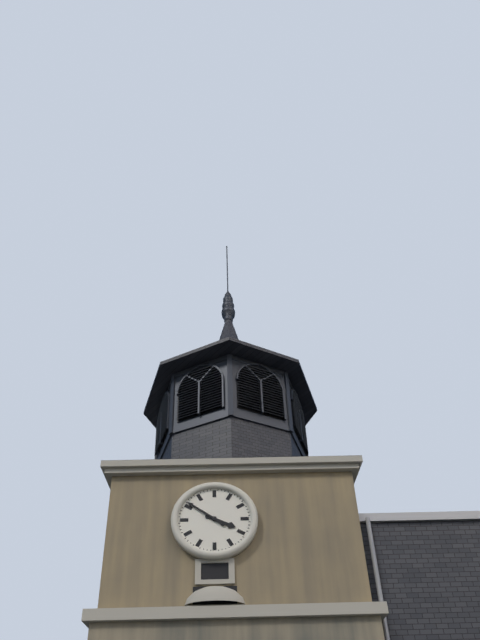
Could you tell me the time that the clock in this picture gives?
3:51
